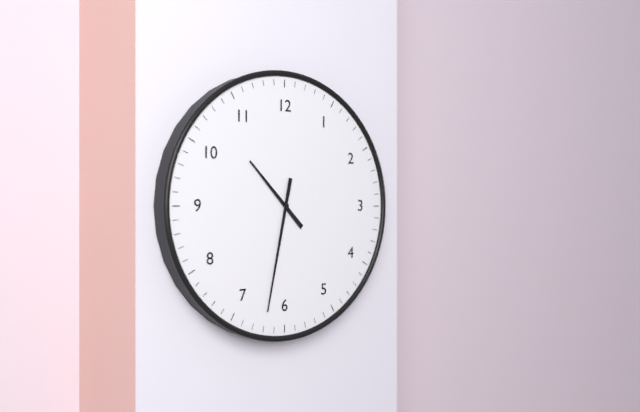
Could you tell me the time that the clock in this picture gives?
10:32
